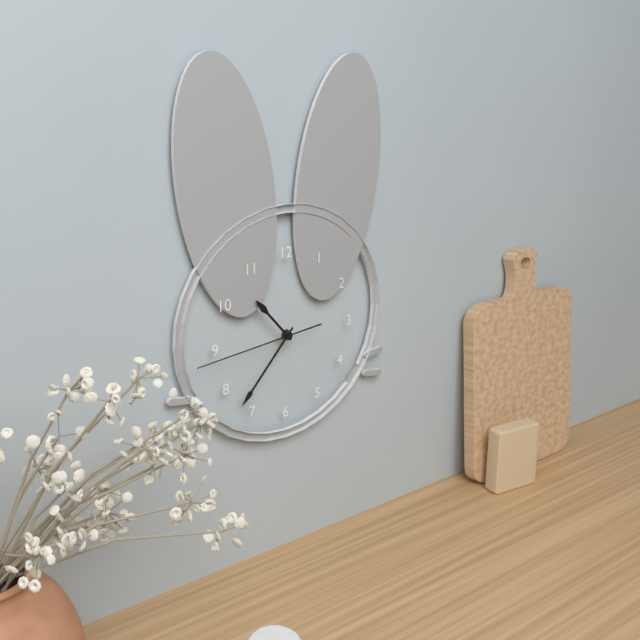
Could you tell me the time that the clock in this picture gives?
10:37:44
